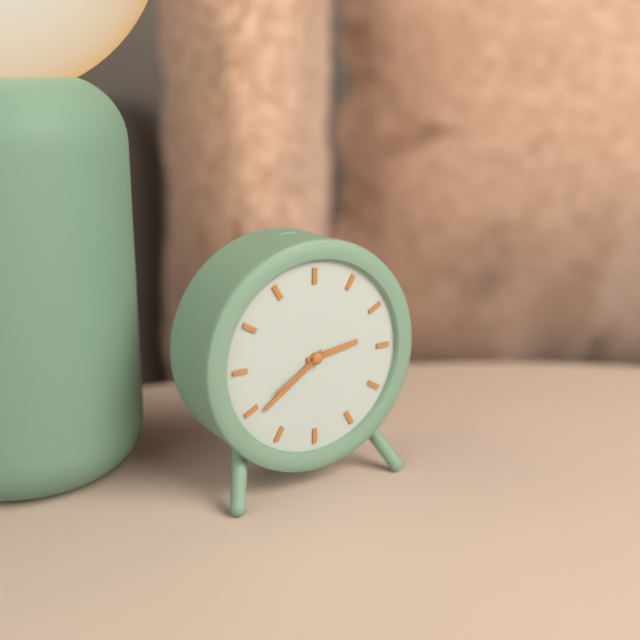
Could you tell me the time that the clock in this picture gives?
2:39:40
